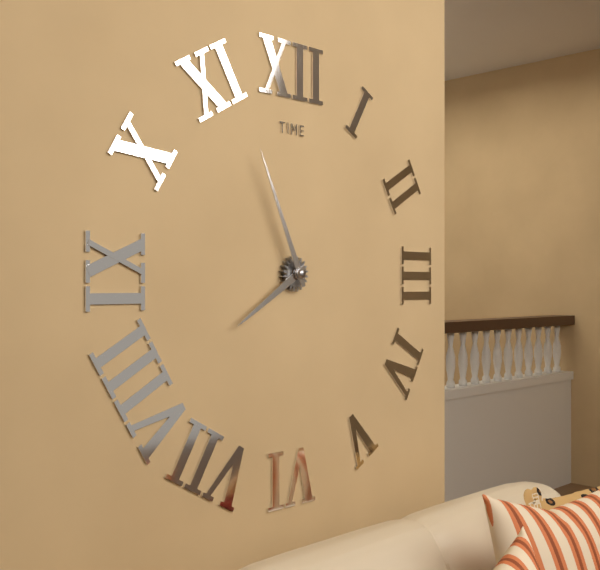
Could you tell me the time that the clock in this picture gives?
7:56
